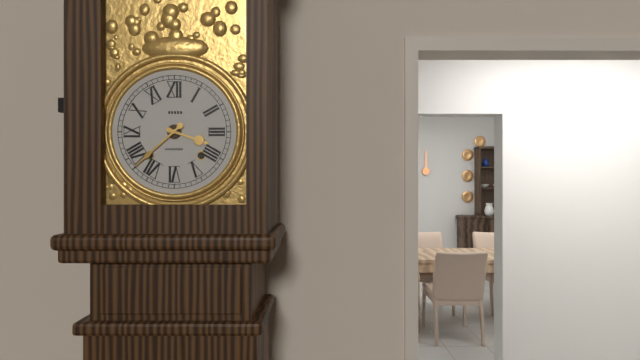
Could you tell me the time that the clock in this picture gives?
3:38
